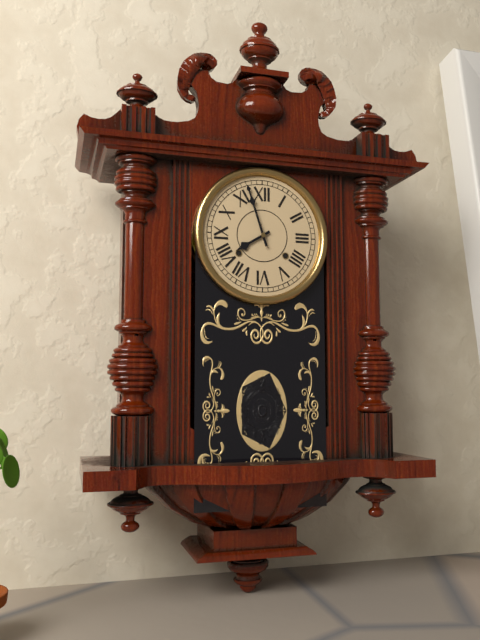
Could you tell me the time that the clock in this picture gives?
7:57
